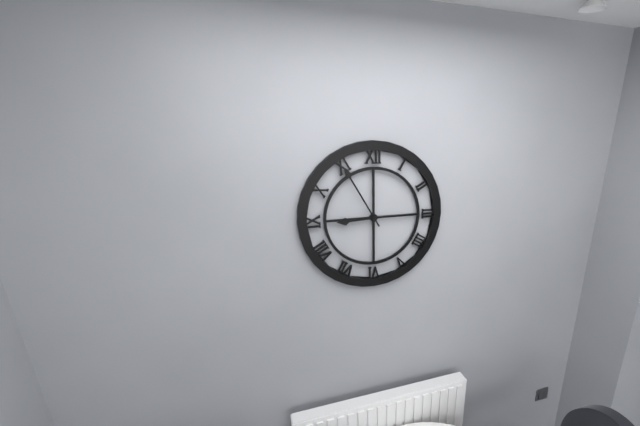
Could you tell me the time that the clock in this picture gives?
8:55
